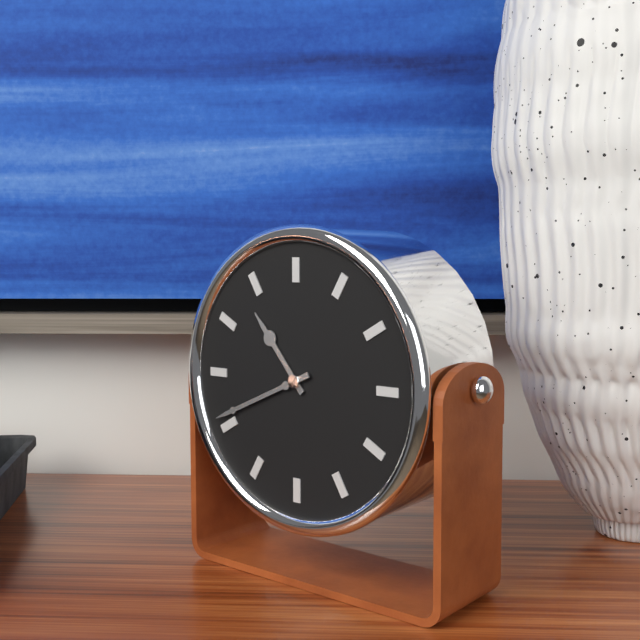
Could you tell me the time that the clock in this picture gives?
10:41
